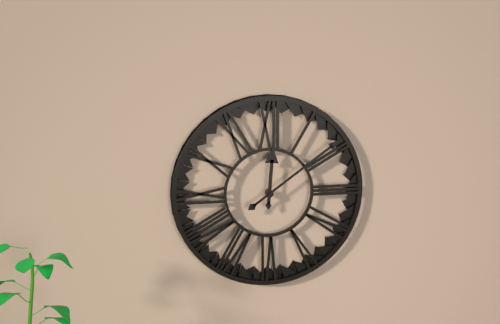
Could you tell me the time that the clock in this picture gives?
12:09
